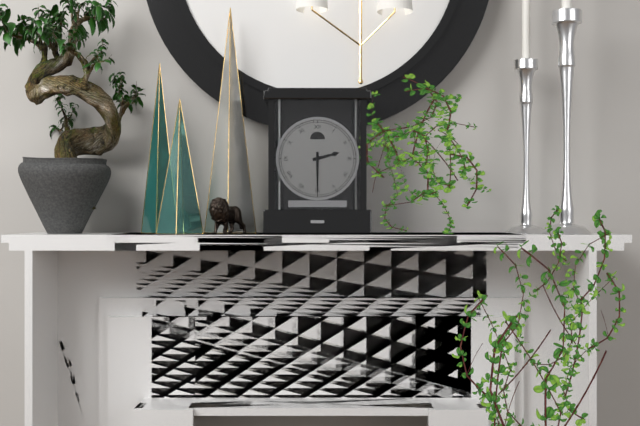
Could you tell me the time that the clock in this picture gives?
2:30
